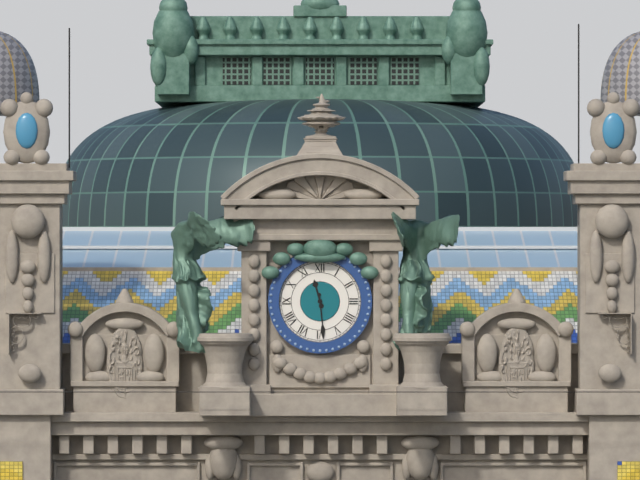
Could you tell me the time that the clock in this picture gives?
11:29
